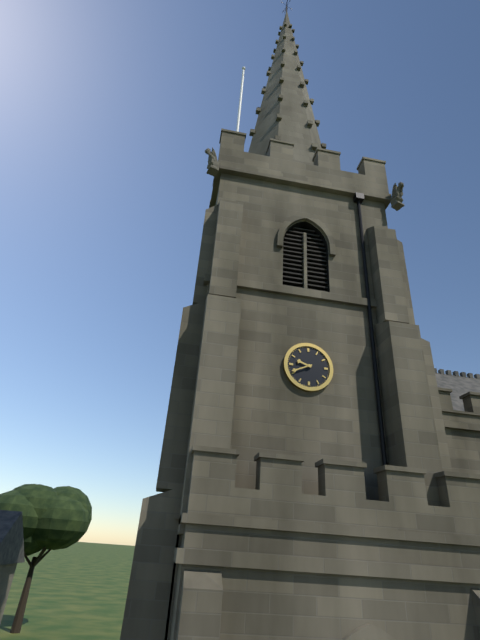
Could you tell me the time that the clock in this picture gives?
9:41
